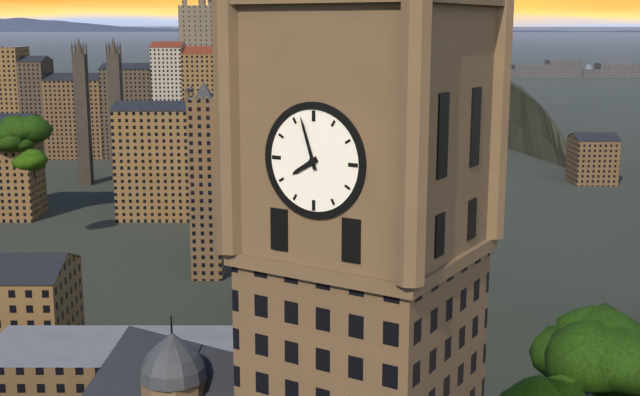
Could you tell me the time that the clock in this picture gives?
7:57
